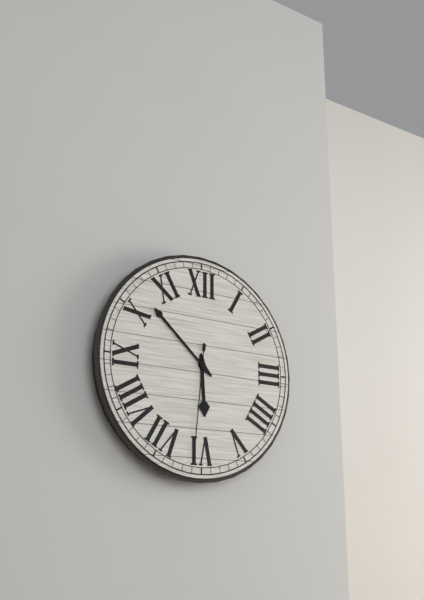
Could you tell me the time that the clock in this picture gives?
5:52:31
